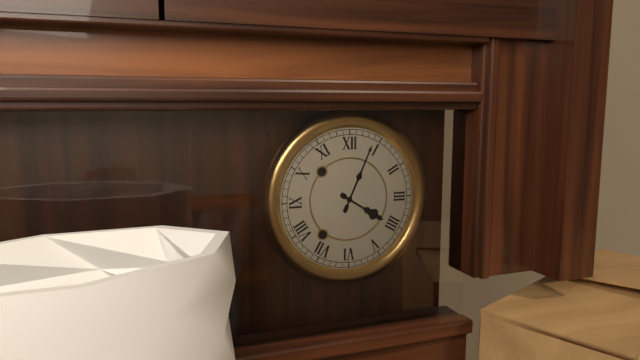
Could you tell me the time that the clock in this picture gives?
4:04
